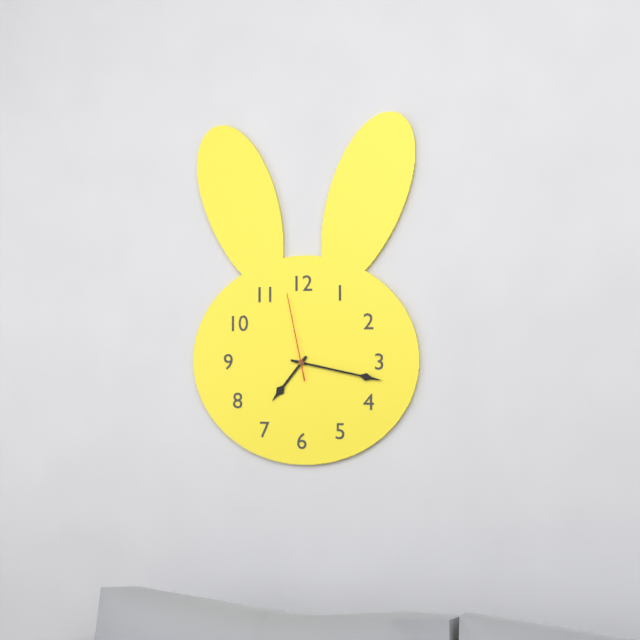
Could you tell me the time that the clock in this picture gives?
7:17:58
